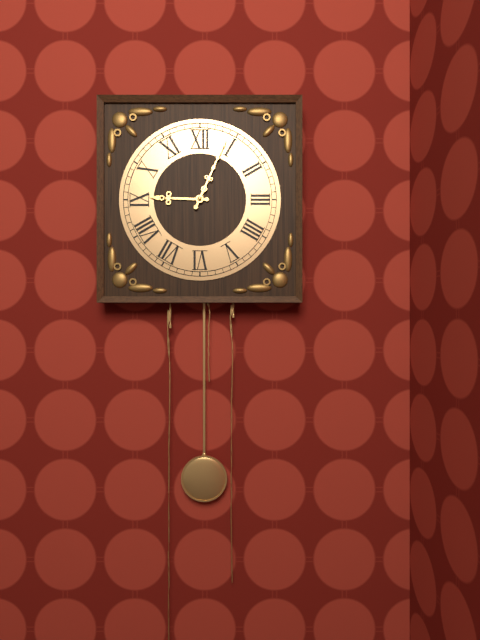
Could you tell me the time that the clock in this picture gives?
9:04
